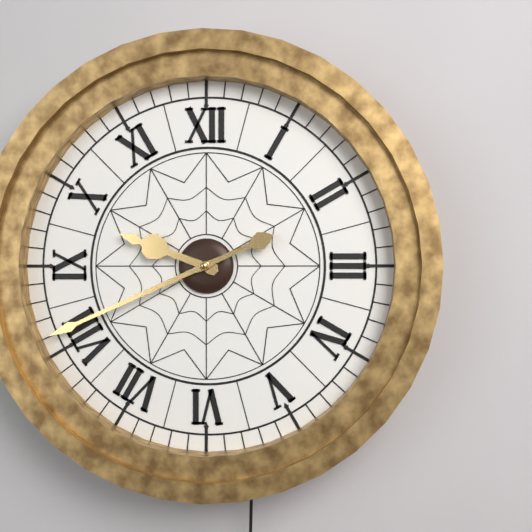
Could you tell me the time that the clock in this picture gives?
9:41
